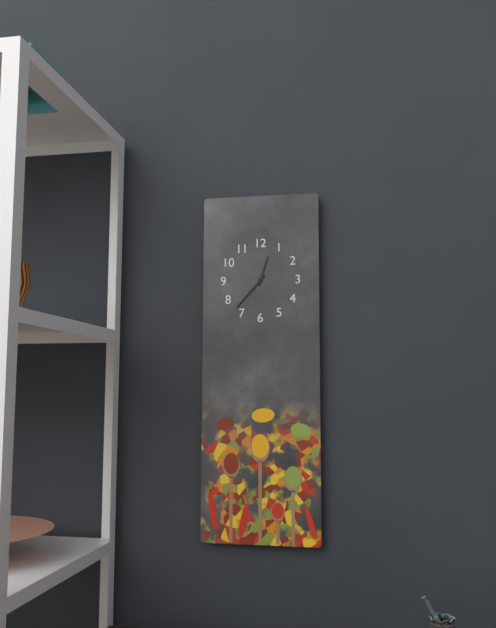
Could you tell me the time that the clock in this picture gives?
12:37
